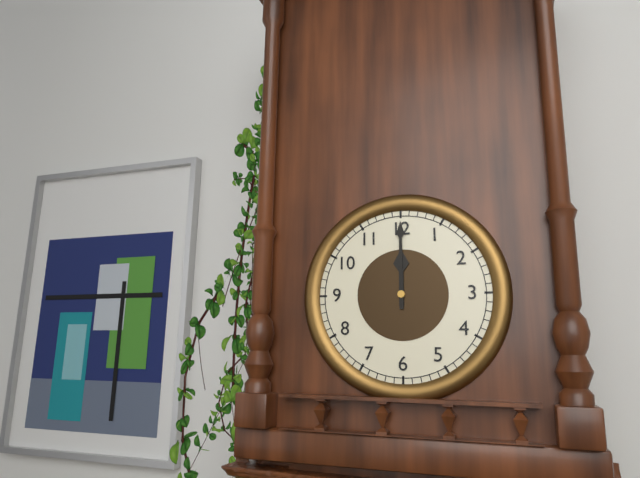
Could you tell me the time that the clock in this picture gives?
12:00
